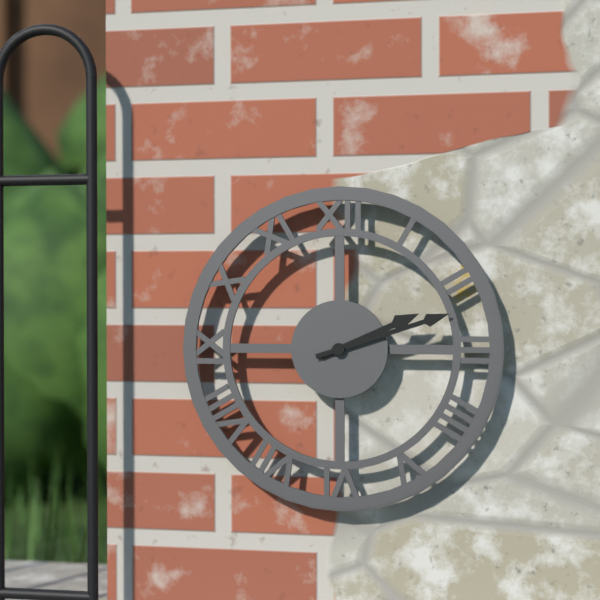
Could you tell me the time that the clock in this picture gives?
2:12
